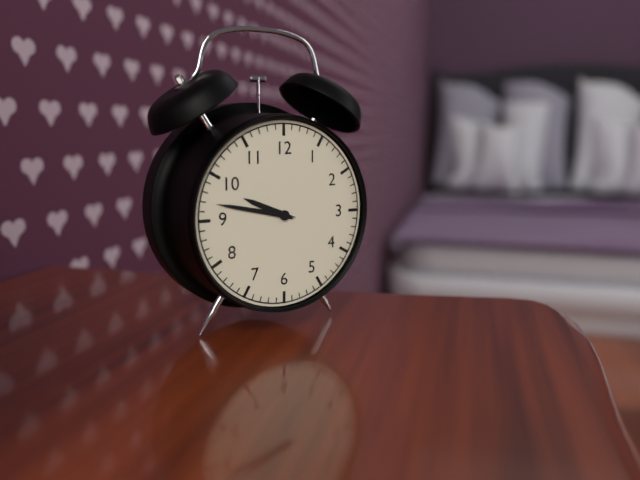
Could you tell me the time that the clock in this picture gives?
9:47
